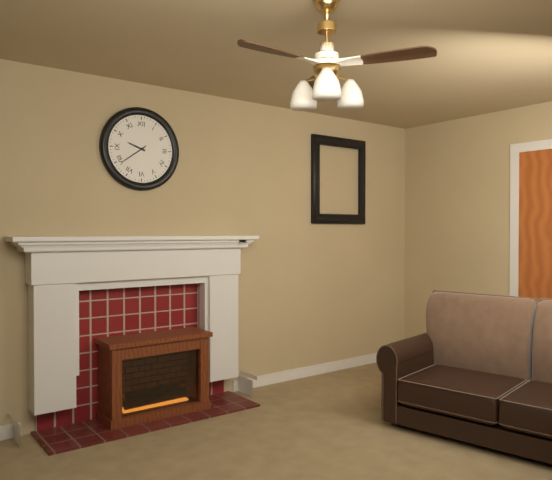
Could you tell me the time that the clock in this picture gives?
9:39
